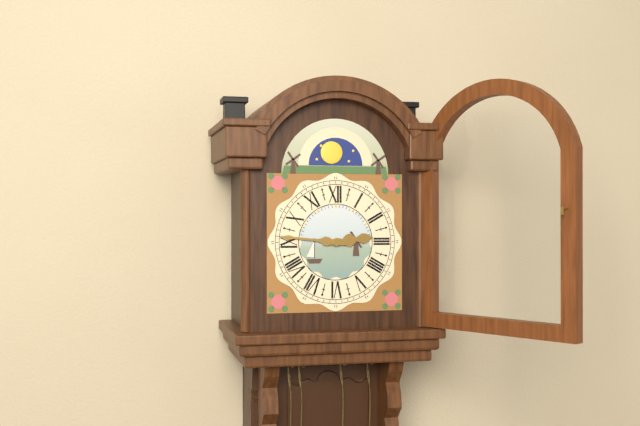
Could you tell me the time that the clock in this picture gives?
2:46
